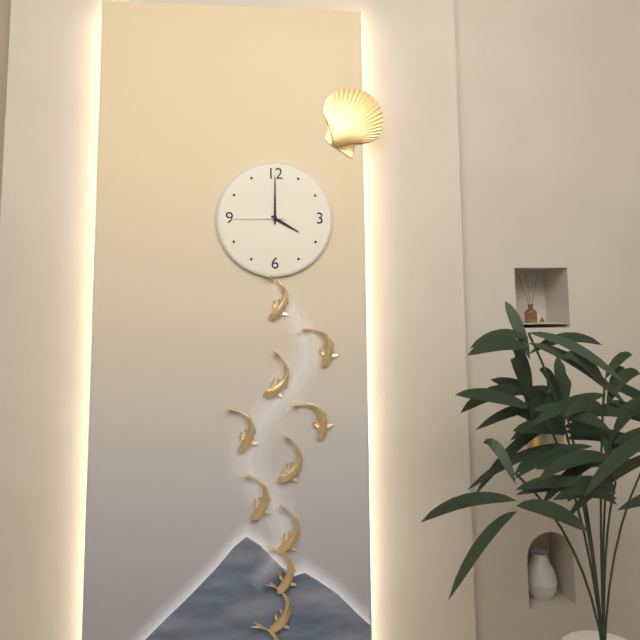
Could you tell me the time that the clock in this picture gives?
4:00:45
